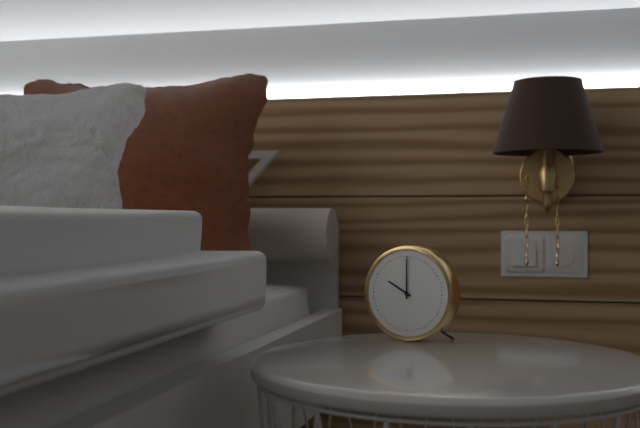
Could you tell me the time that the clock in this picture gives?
10:00
